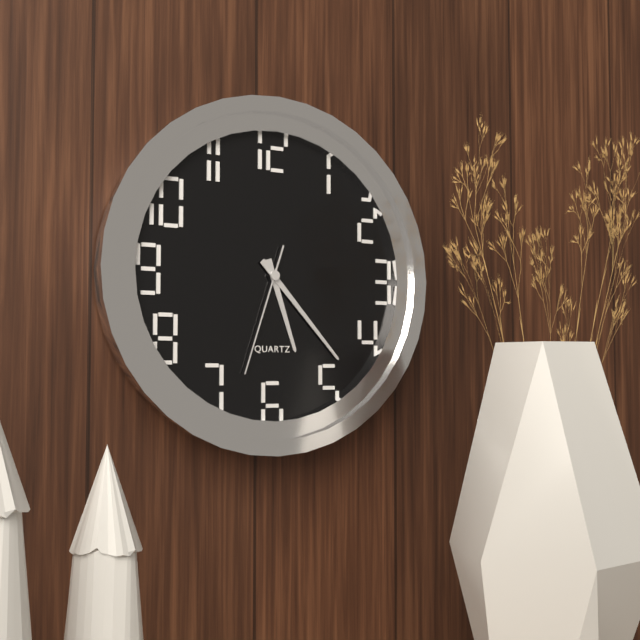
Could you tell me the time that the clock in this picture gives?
5:23:33
